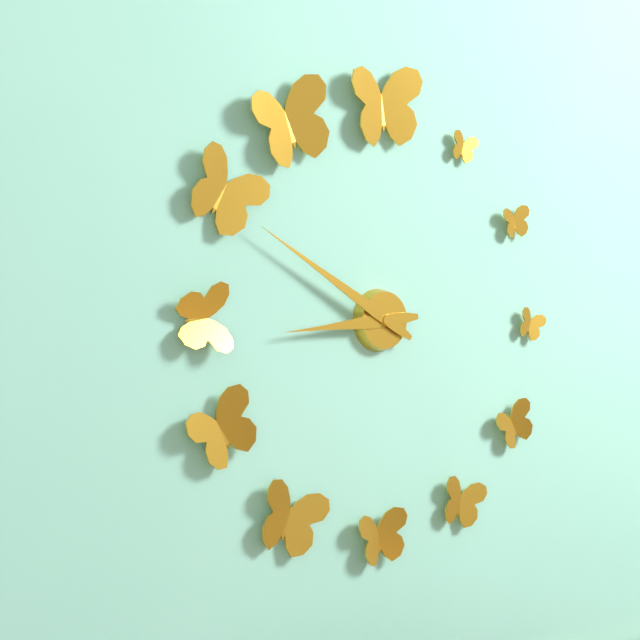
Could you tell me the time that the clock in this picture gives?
8:50
